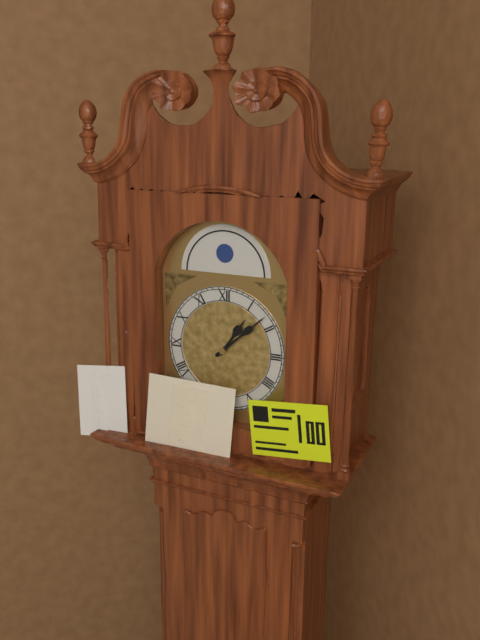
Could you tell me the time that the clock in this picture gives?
1:08
